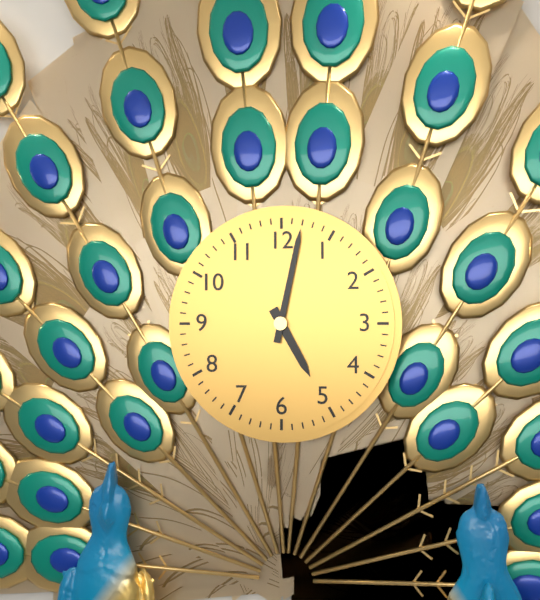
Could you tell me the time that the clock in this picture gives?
5:02
